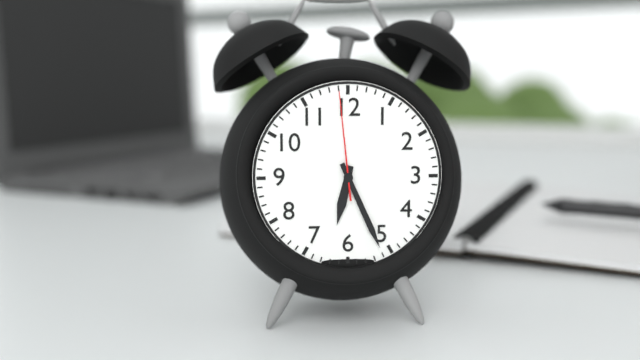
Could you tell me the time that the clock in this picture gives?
6:26:59
